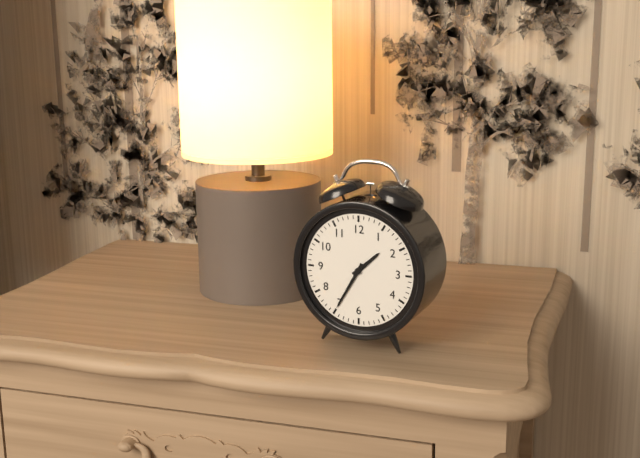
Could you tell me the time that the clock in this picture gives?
1:35
